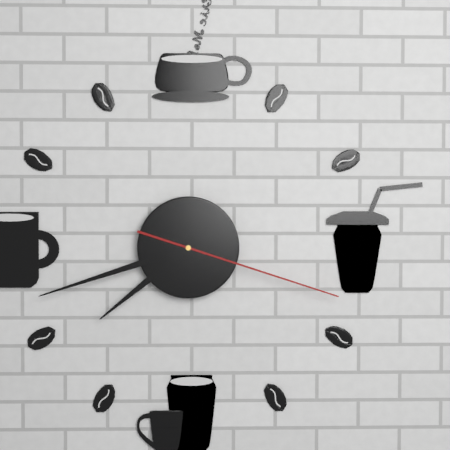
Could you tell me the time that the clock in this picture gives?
7:42:18
